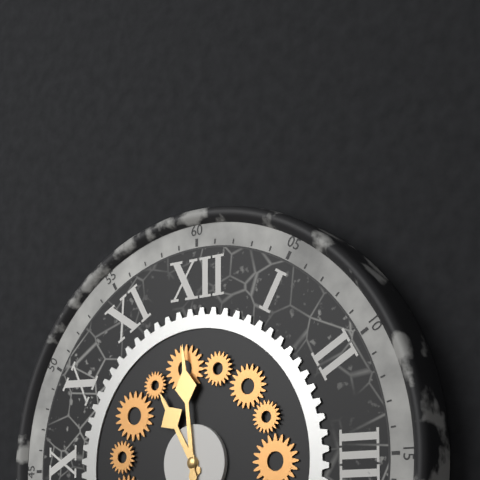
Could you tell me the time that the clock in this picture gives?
10:59
